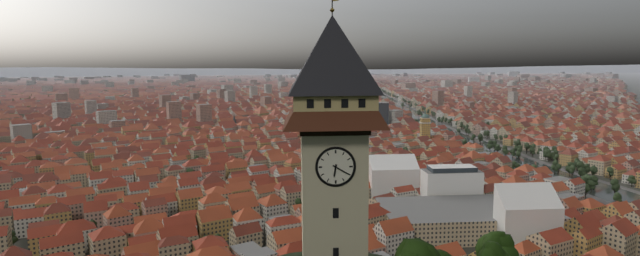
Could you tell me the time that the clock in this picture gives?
6:20
